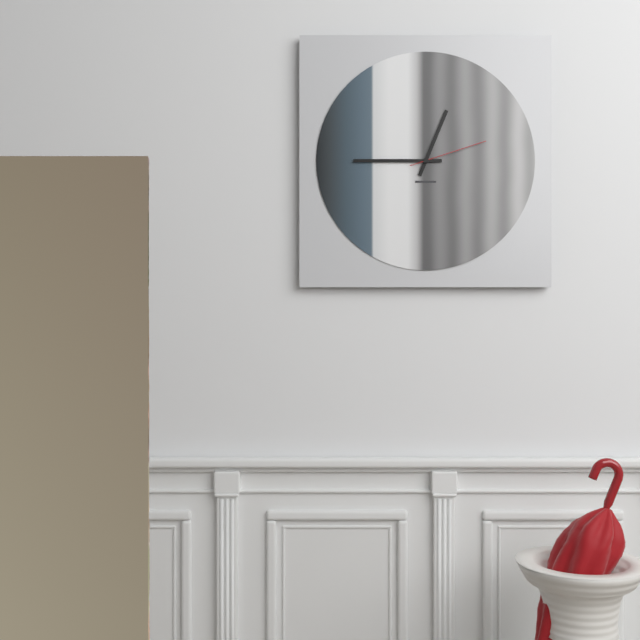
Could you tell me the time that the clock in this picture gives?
12:45:12
